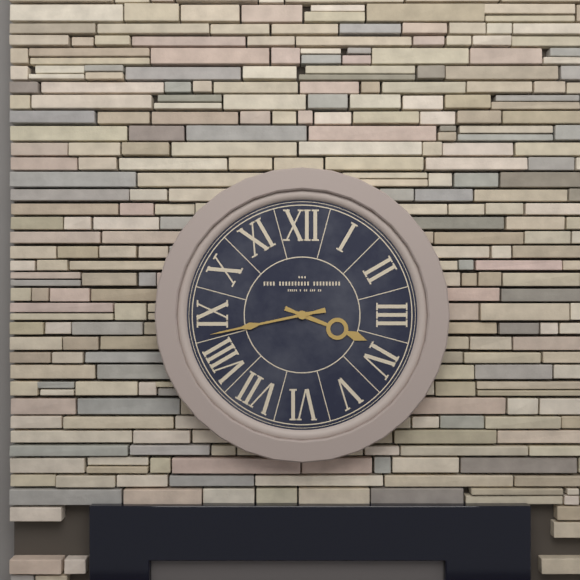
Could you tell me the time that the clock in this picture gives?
3:43
